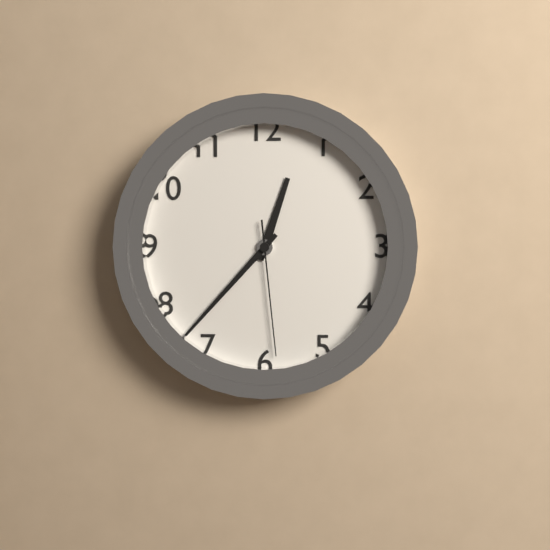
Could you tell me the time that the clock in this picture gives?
12:37:29
